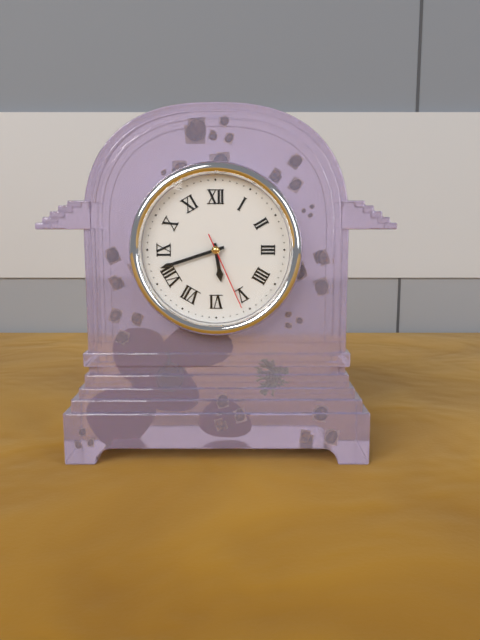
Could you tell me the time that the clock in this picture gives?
5:42:26
